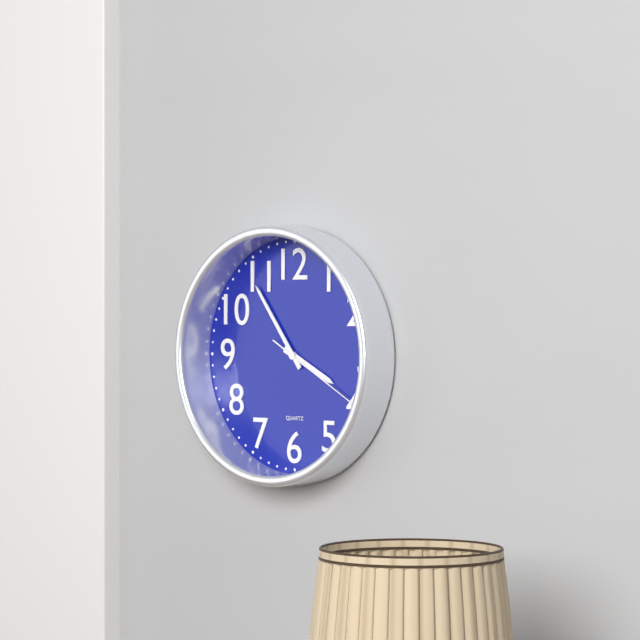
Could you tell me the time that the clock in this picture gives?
3:54:20
